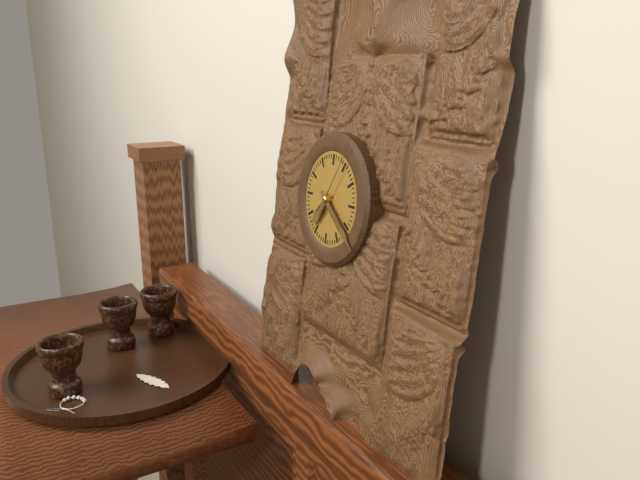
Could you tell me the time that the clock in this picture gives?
7:21:05
